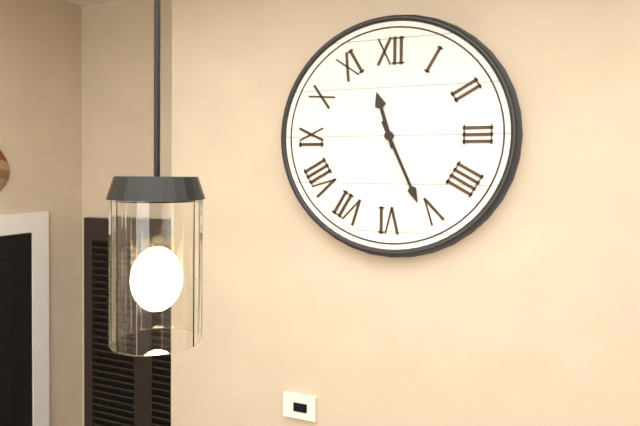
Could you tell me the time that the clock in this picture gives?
11:26
